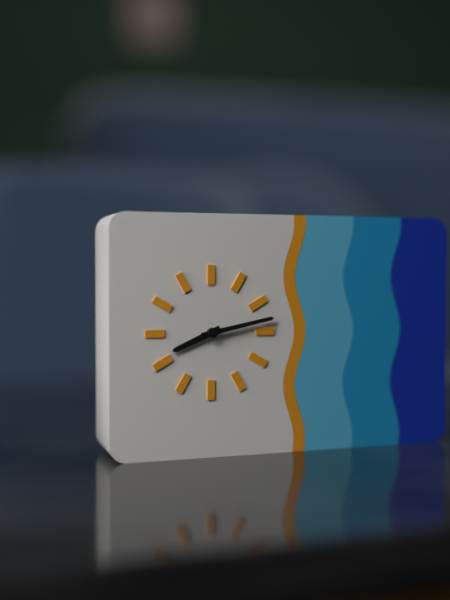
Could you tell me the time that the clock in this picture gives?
8:13
